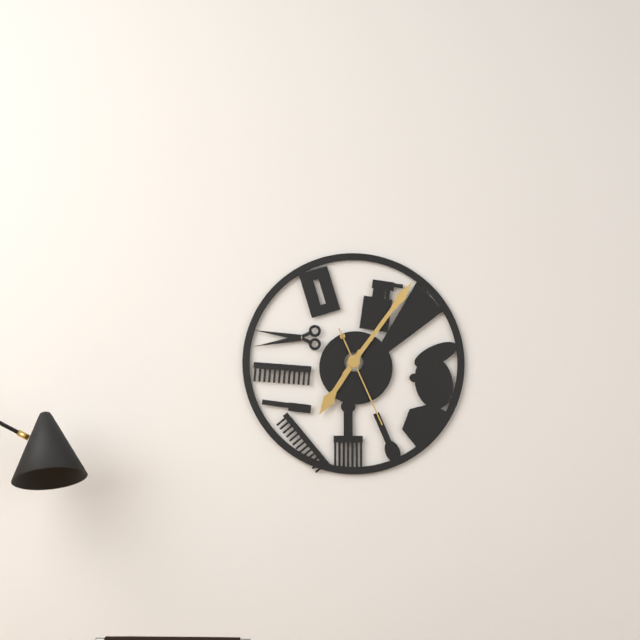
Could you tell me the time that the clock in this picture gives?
7:06:26
